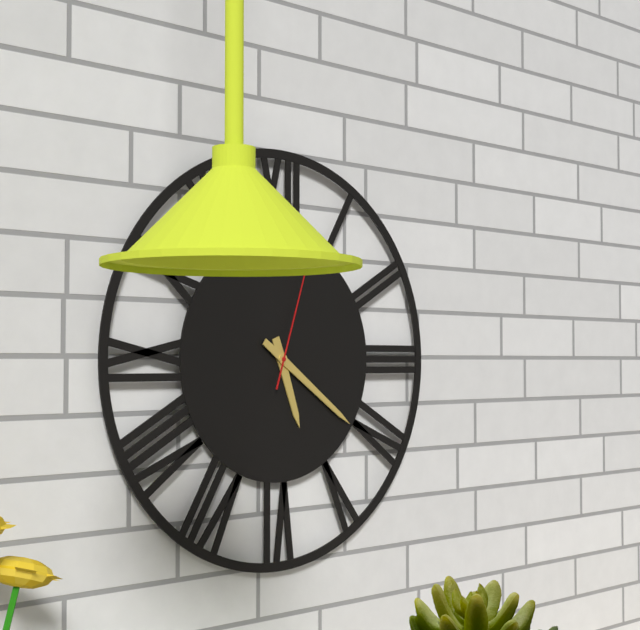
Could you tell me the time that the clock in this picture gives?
5:21:03
